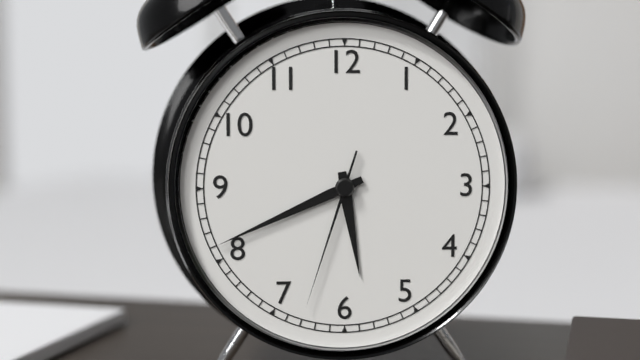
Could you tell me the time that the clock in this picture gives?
5:41:33
